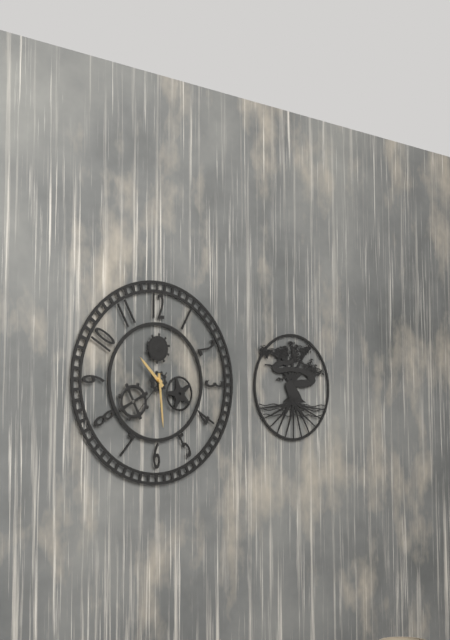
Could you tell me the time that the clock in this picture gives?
10:29
